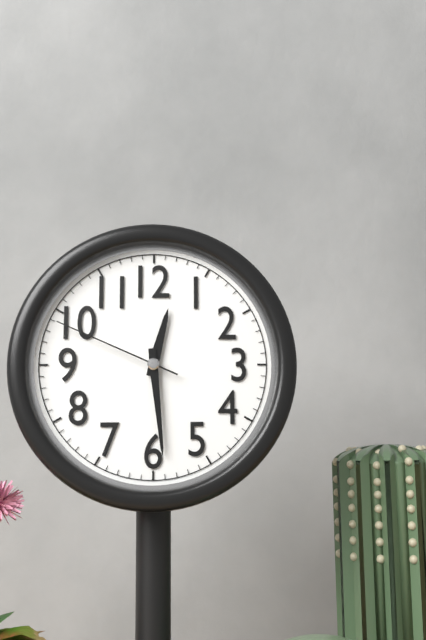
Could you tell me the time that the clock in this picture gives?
12:29:49
